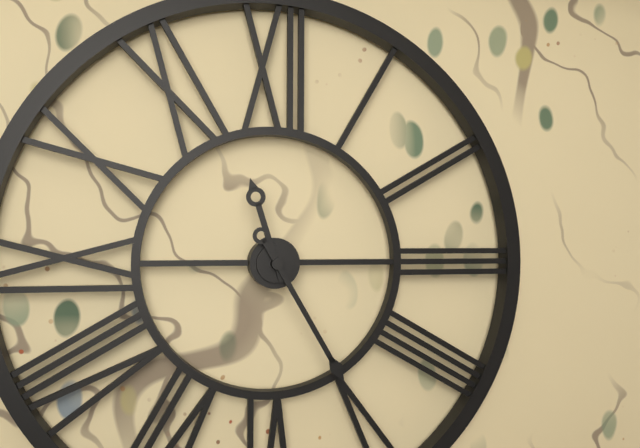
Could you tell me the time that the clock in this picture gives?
11:25
